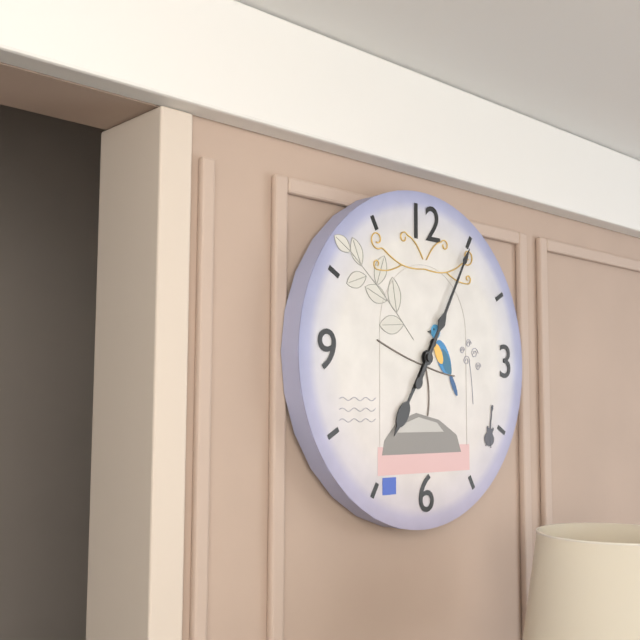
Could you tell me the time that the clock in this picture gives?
7:05
